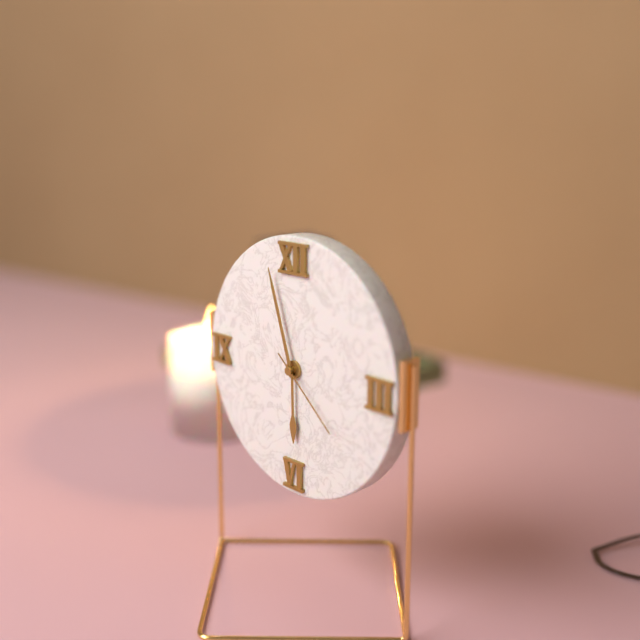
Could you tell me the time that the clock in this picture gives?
5:57:22
